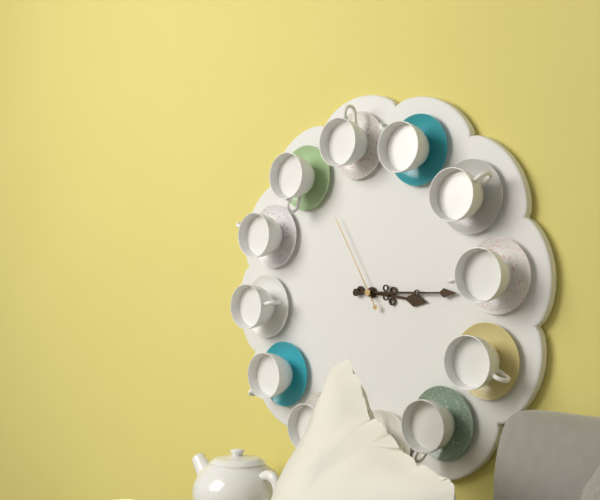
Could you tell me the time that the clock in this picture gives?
3:15:55
